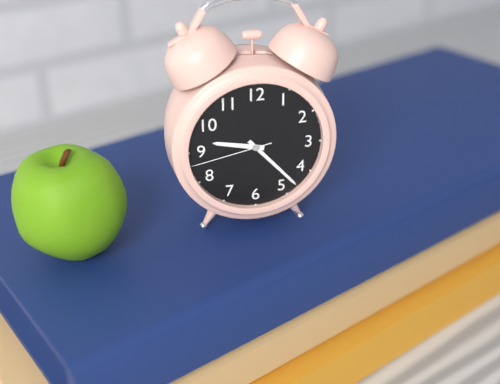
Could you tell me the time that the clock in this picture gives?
9:23:43
